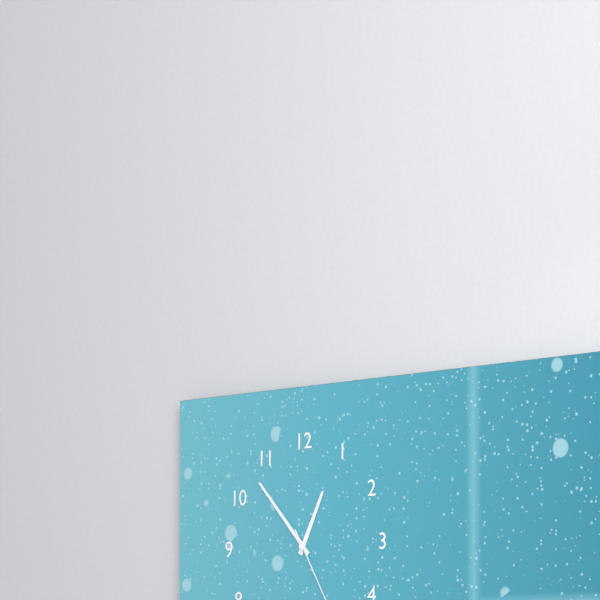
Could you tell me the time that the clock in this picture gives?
12:53
